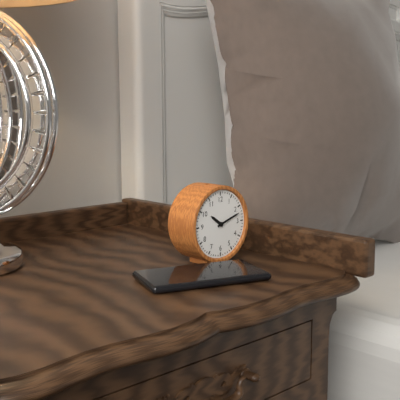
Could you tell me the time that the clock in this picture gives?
10:12
